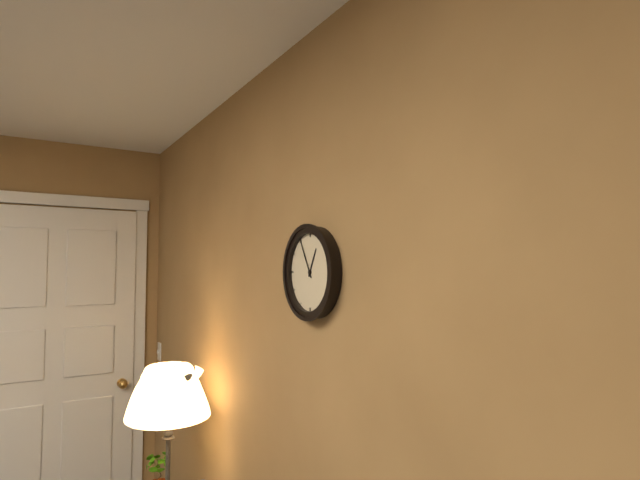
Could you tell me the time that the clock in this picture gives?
12:55
